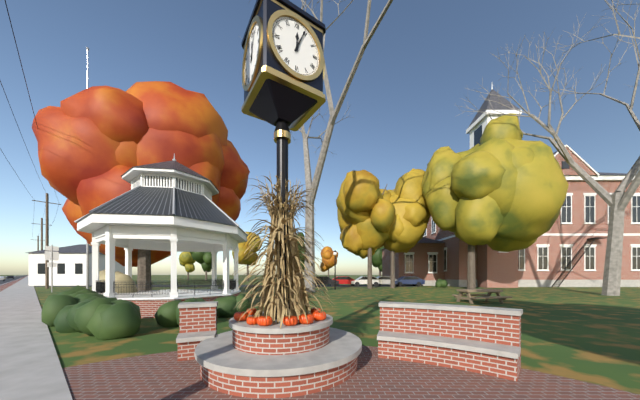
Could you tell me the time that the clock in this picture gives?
12:04
